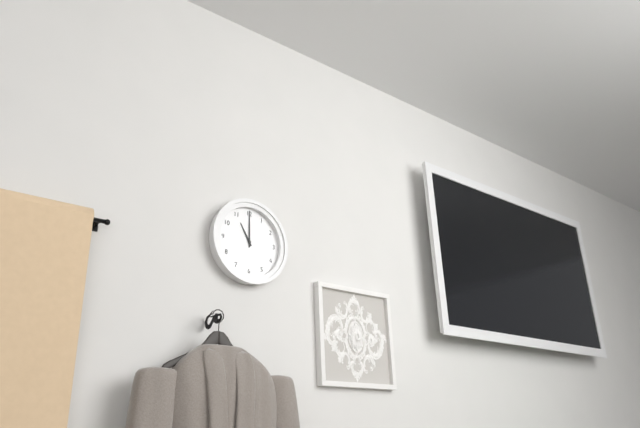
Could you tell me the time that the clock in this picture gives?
11:00
